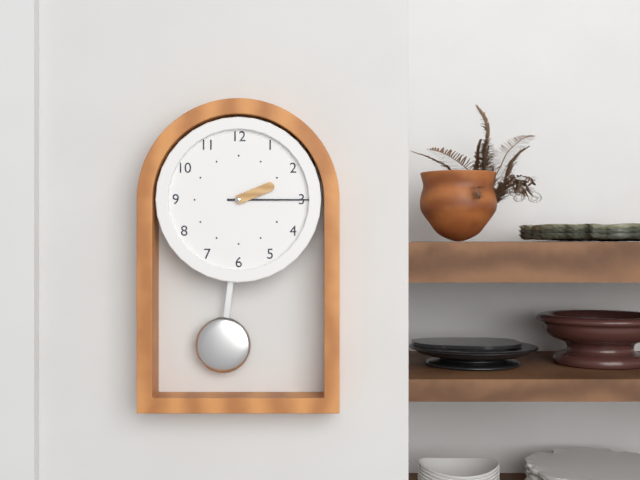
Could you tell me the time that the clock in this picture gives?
2:15
